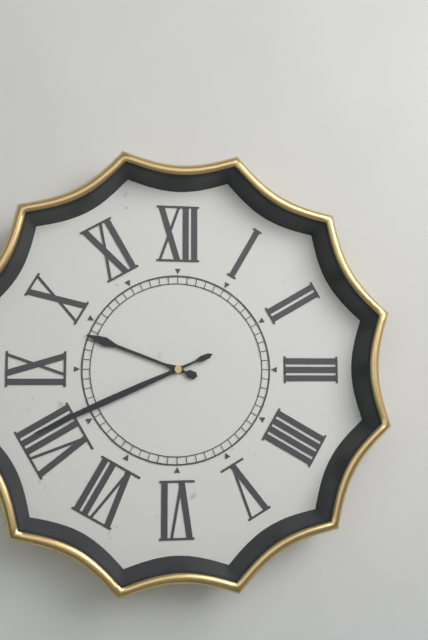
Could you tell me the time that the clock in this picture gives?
9:41
